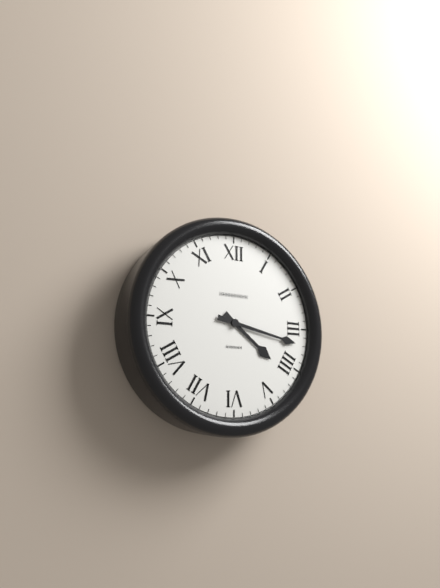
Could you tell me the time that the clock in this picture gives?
4:17
